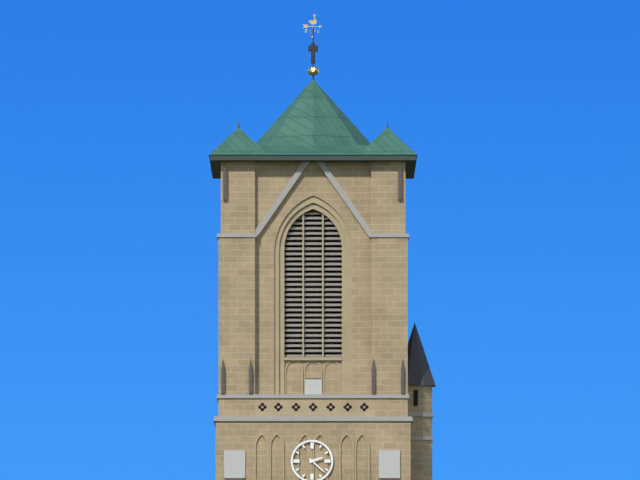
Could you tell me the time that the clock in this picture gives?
2:22
